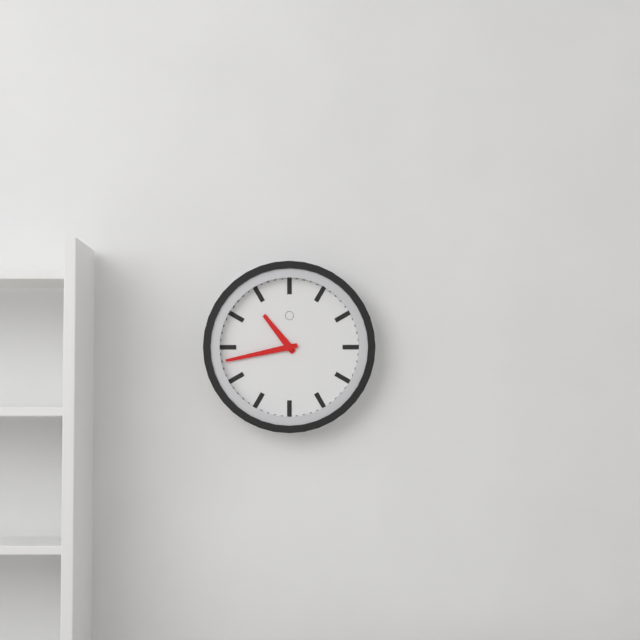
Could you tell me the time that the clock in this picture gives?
10:43
